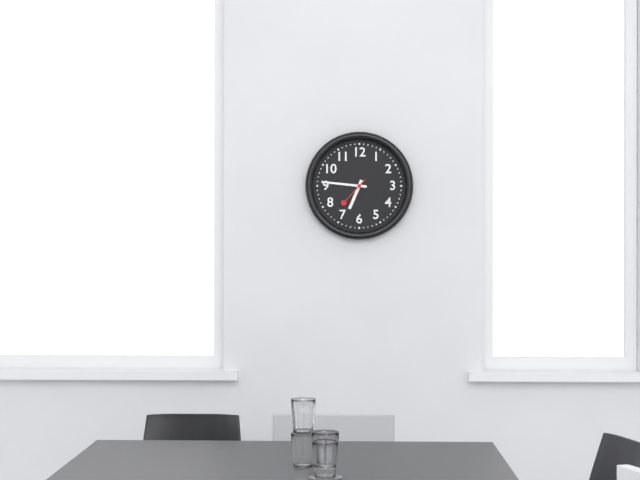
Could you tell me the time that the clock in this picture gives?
6:46
